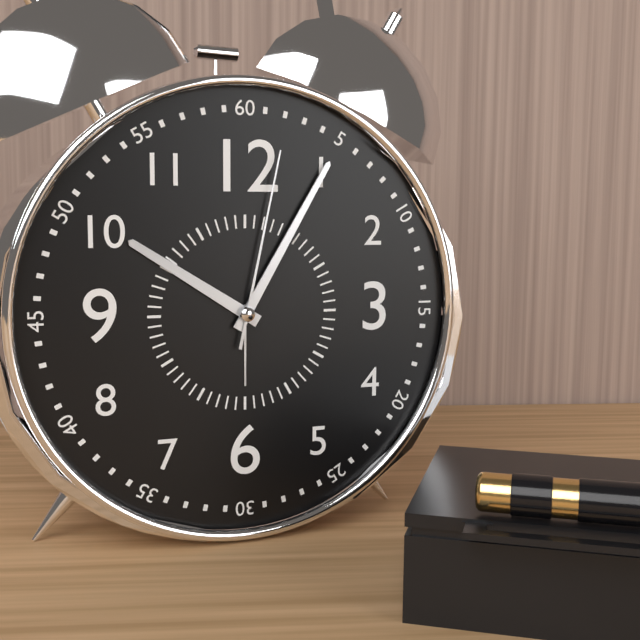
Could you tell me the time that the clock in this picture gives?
10:05:02
